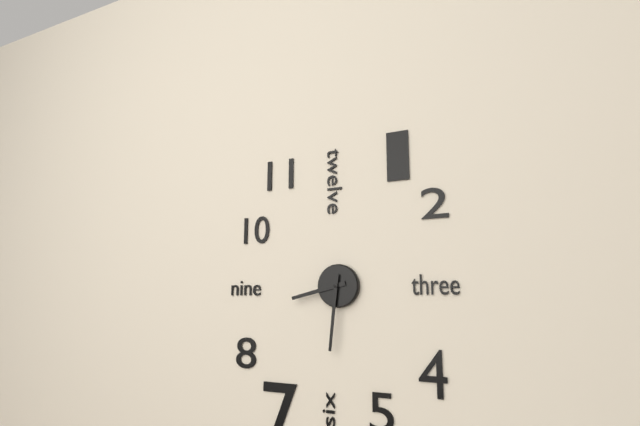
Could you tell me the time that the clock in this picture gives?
8:31
